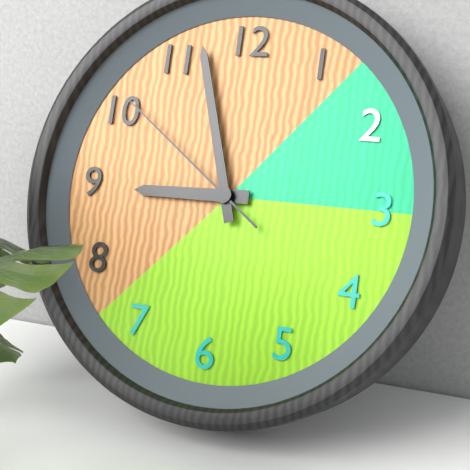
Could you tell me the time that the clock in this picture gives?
8:57:51
